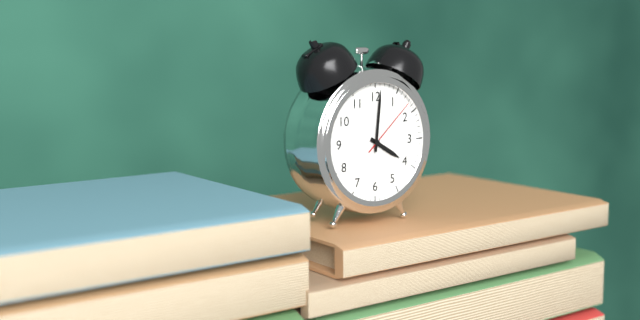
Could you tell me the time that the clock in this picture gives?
4:01:08
